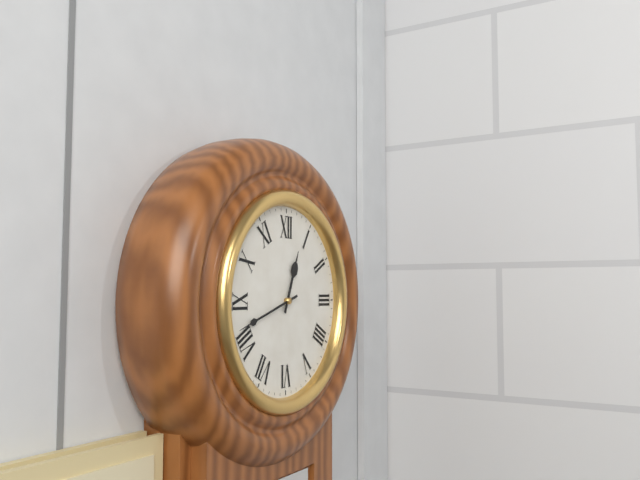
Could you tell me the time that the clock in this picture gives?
12:42
